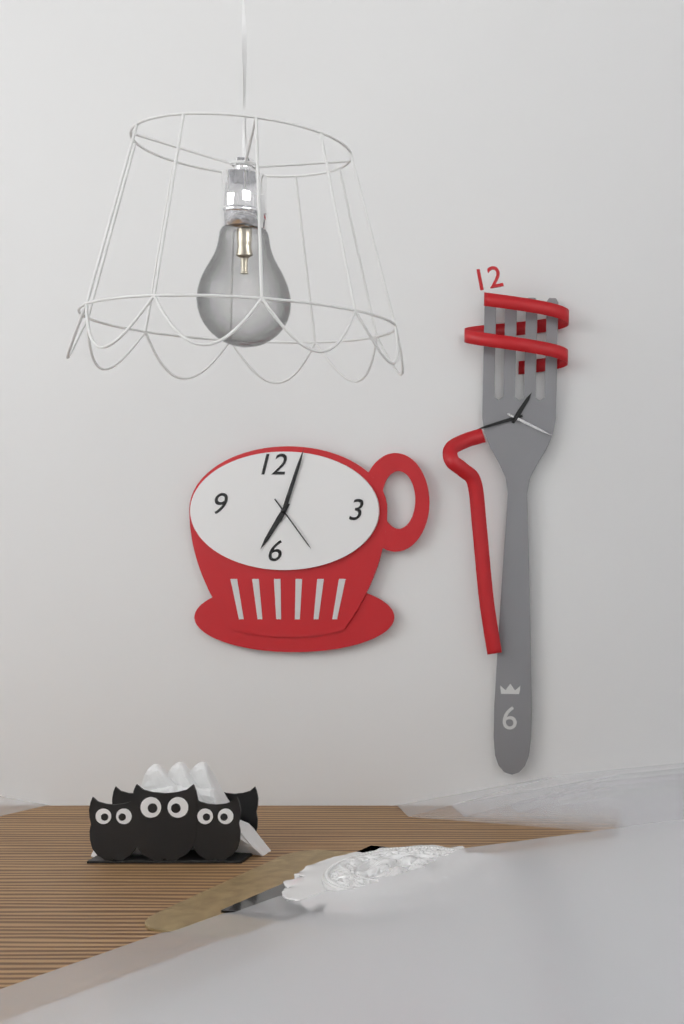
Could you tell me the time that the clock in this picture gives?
7:03:24
